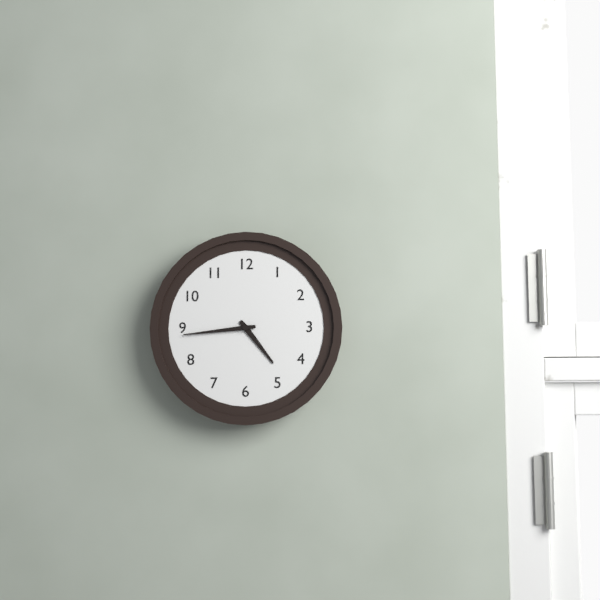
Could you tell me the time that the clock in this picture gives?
4:44
